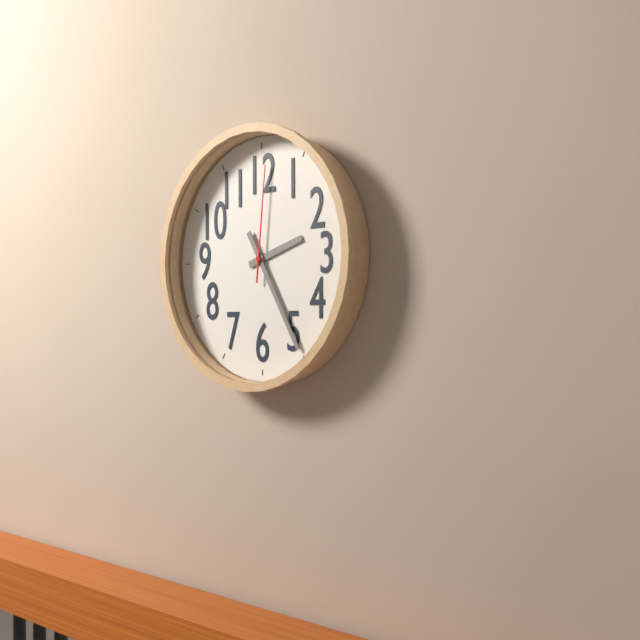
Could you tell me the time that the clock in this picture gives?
2:25:01
